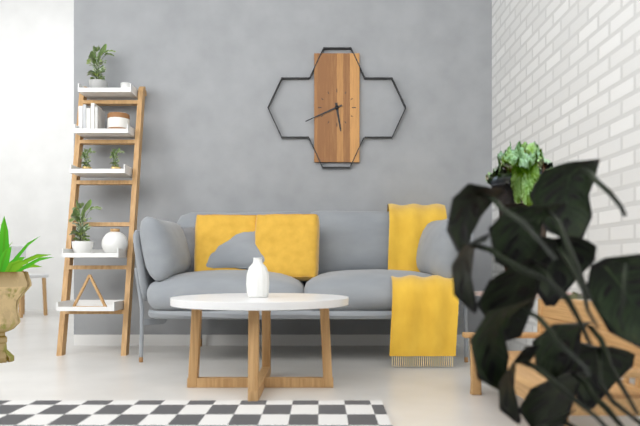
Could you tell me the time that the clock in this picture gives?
5:41
